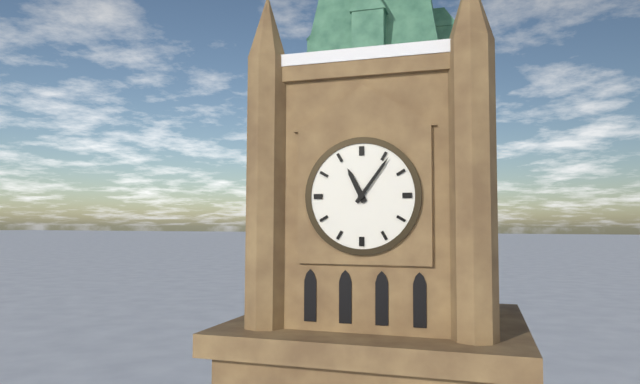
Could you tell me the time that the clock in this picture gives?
11:06
